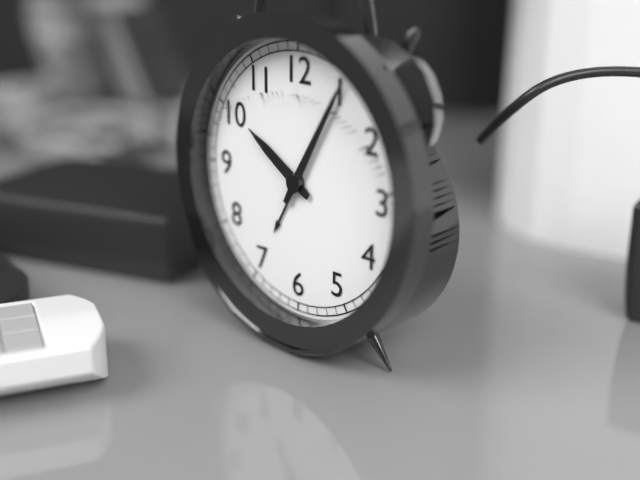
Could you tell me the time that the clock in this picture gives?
10:05
